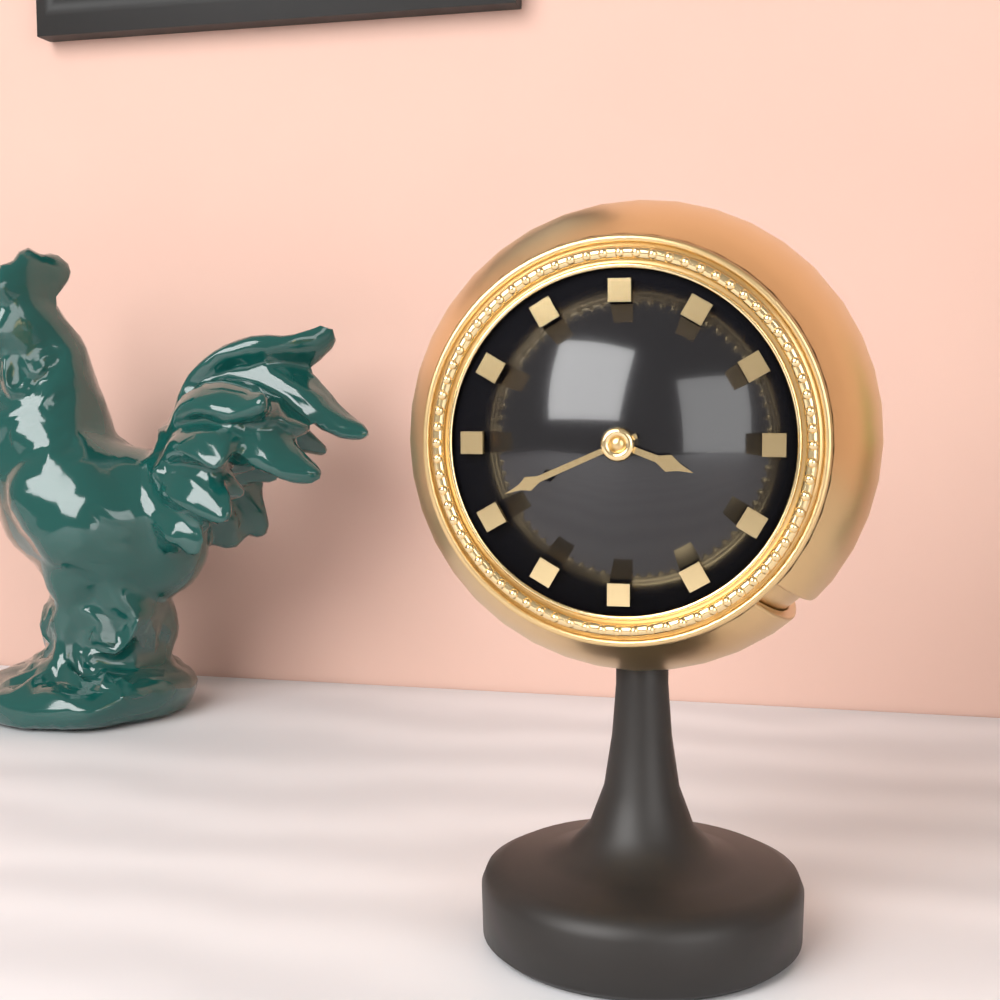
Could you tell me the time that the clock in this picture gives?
3:41
